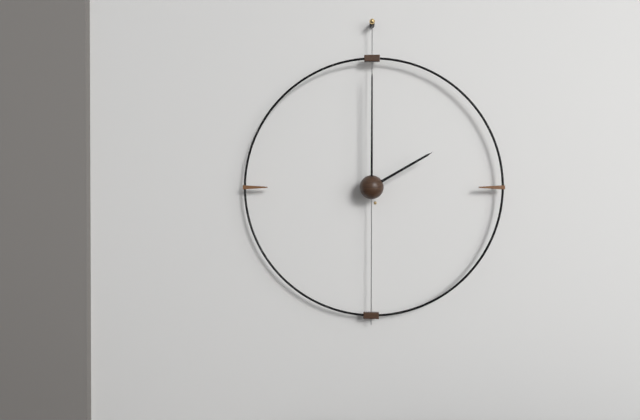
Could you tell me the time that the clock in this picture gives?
2:00
